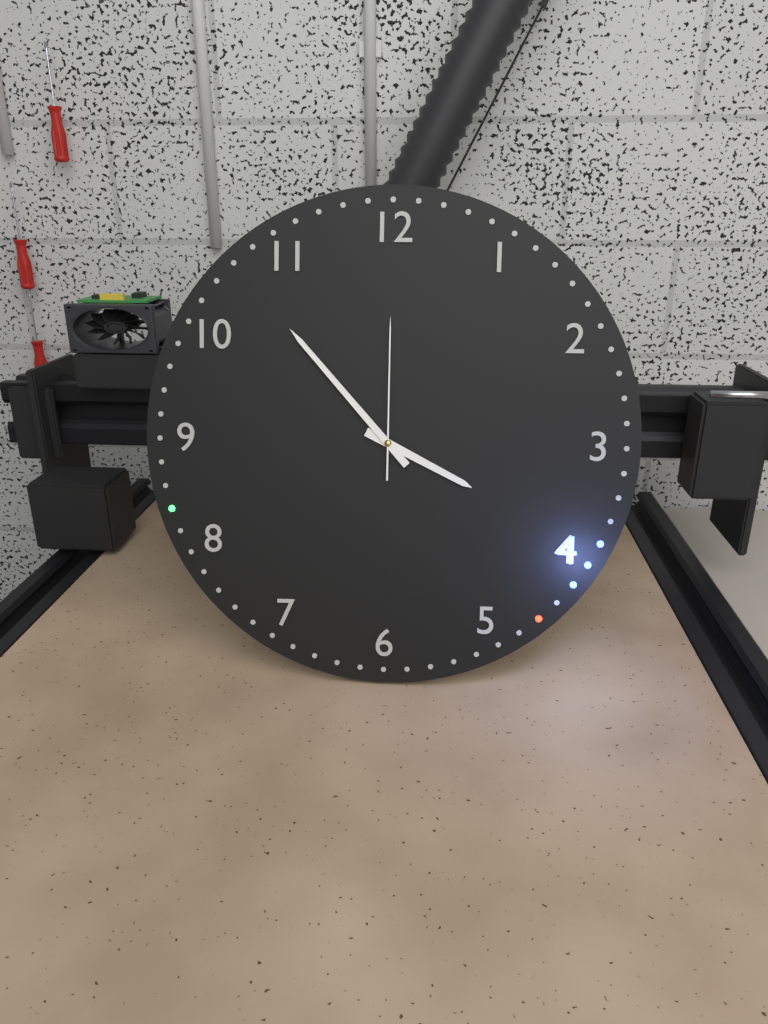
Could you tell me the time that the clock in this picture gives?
3:53:00
